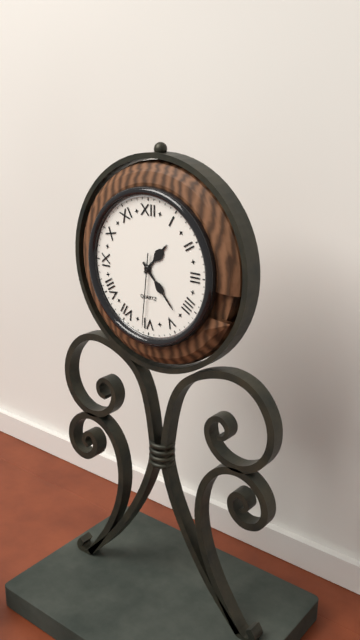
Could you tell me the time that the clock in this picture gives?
1:23:31
